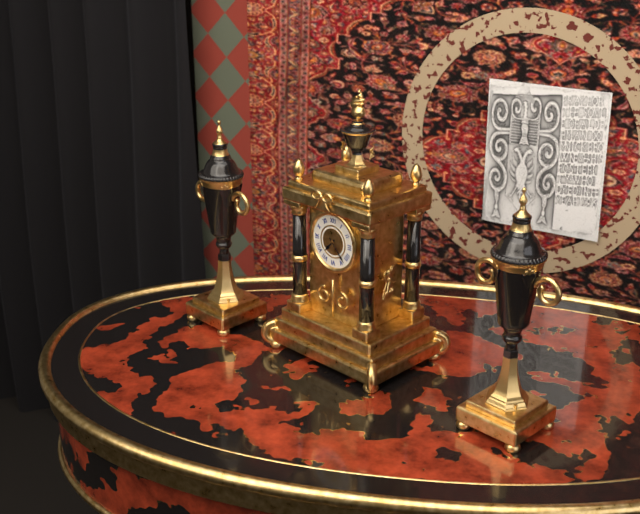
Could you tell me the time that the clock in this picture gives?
7:23
